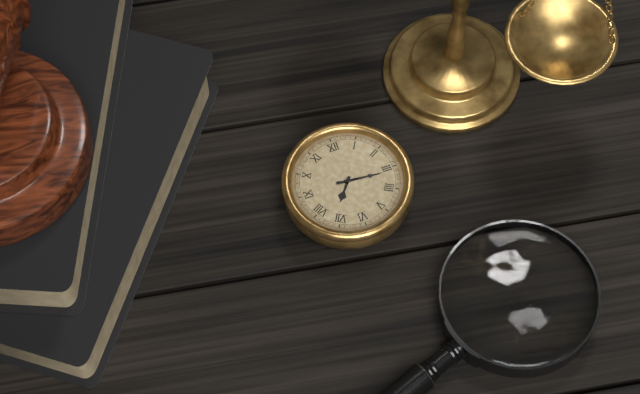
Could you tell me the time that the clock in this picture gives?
7:16
